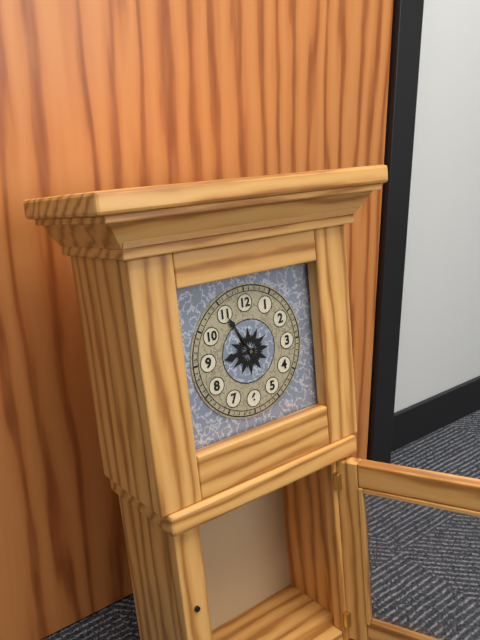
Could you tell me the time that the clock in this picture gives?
8:55
